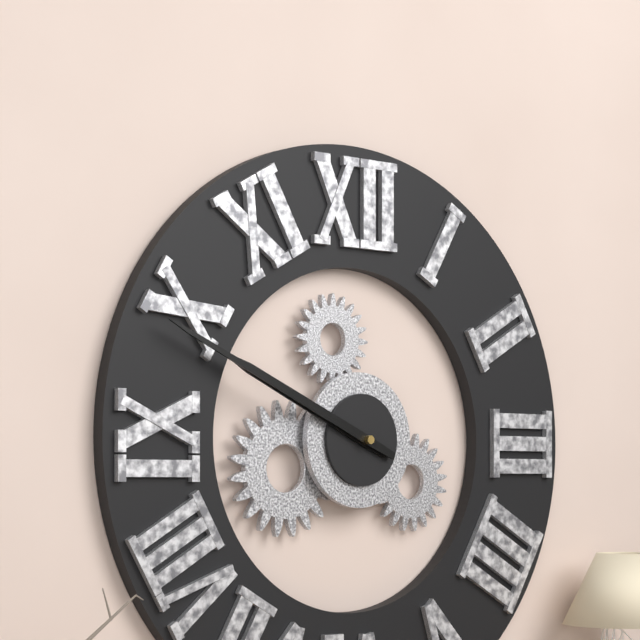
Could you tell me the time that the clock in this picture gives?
9:49
